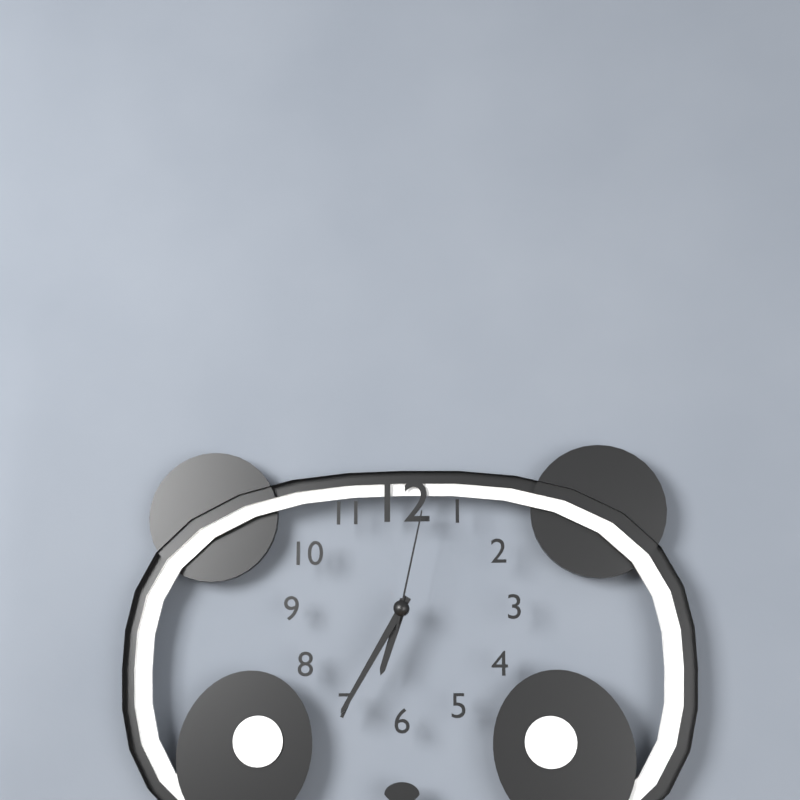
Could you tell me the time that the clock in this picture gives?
6:35:02
